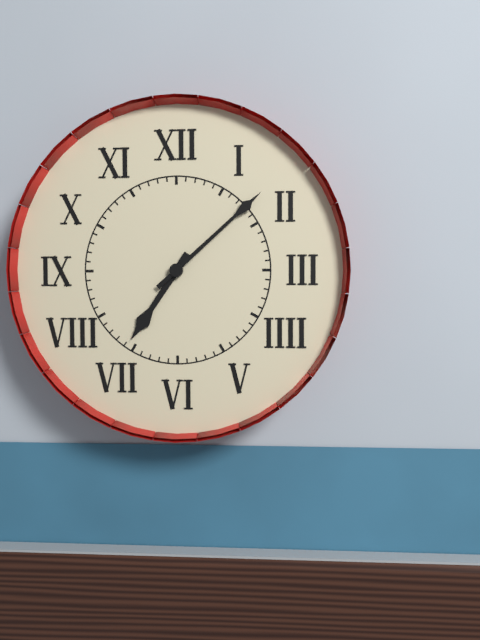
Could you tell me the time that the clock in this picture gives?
7:08
